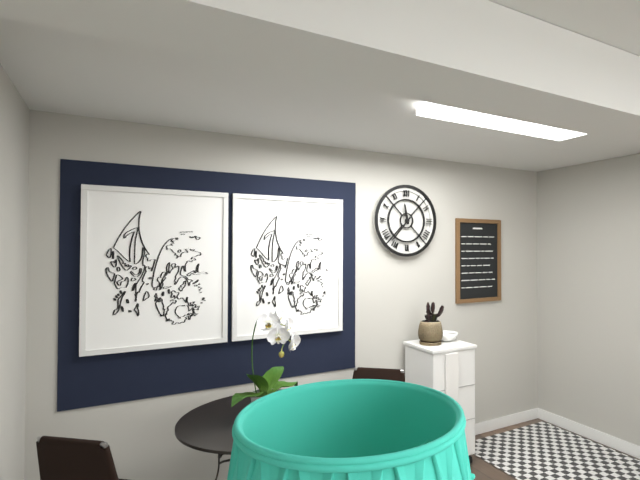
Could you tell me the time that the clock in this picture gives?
11:37
